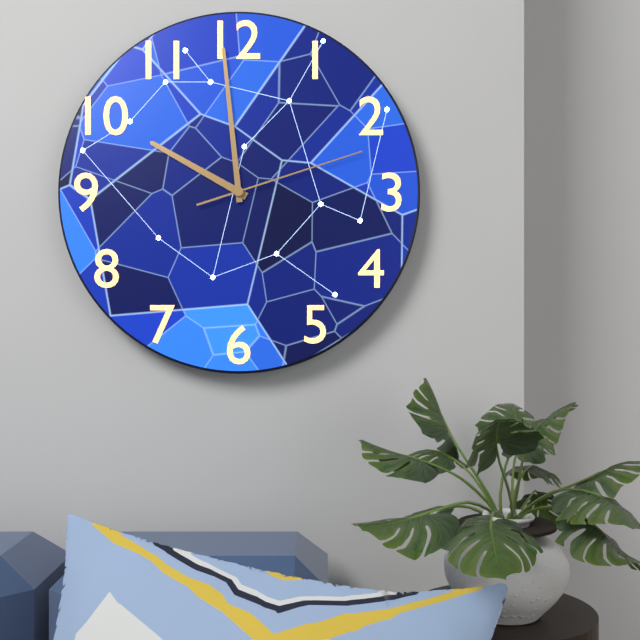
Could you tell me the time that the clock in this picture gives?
9:59:12
